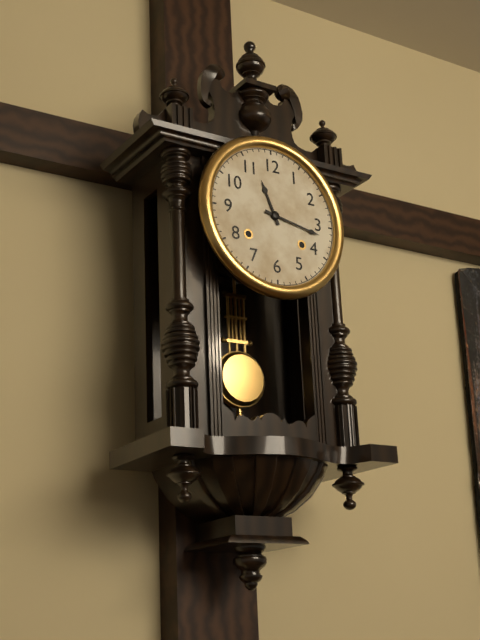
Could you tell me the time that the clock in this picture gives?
11:17
